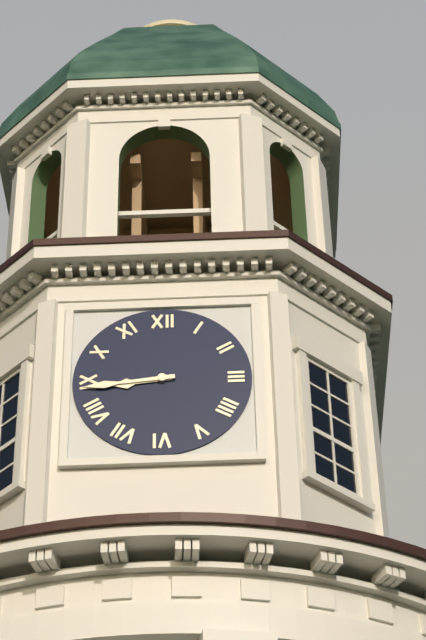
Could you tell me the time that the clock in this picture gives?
8:44
